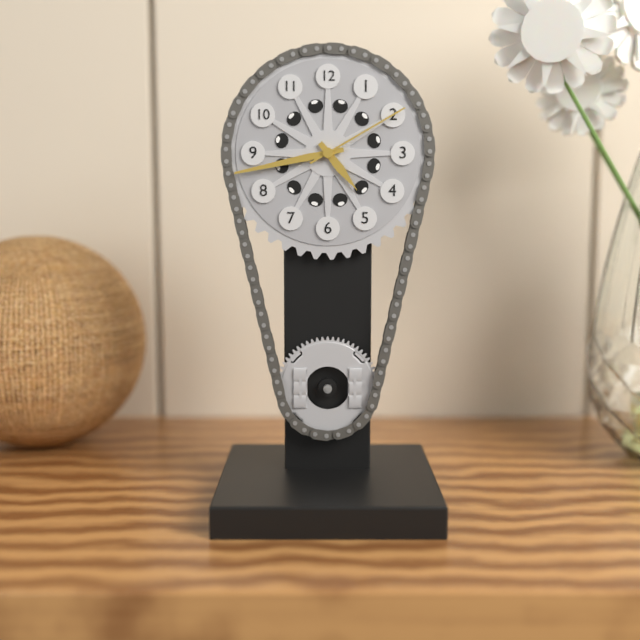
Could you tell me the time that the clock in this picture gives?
4:43:10
